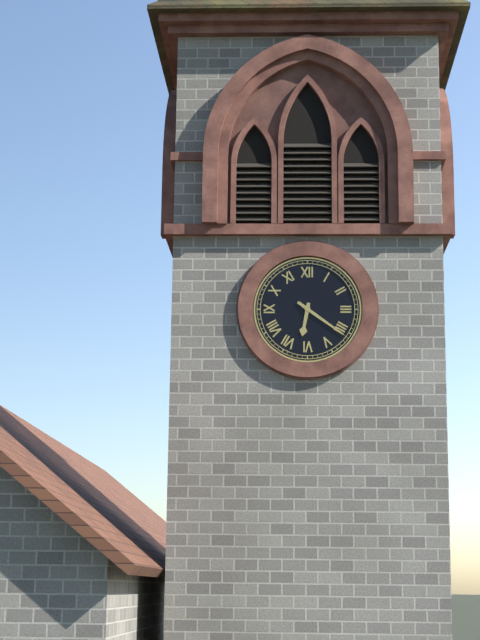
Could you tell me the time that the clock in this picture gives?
6:21
